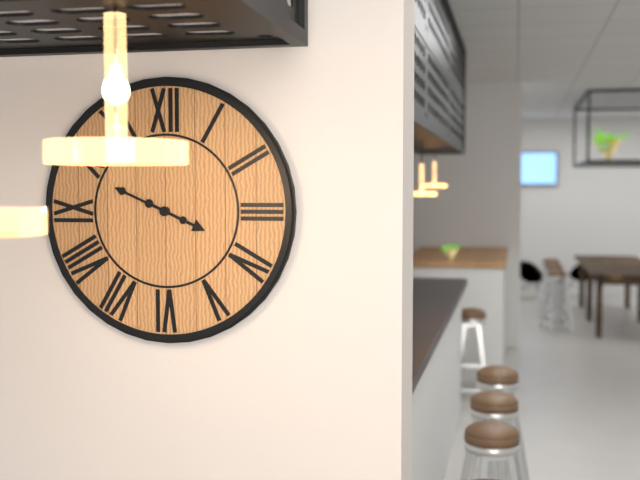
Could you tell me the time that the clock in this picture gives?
3:49
